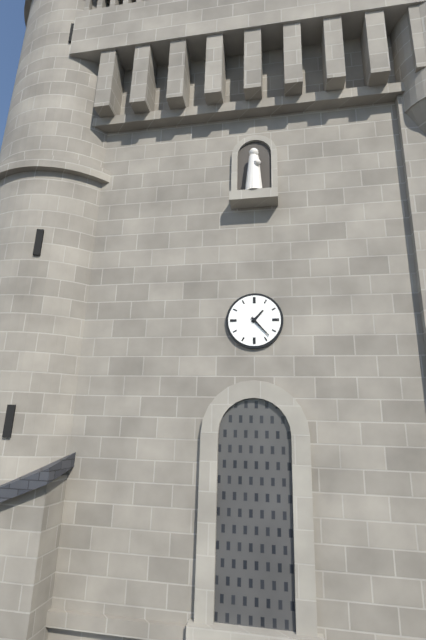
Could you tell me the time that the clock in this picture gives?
1:23
